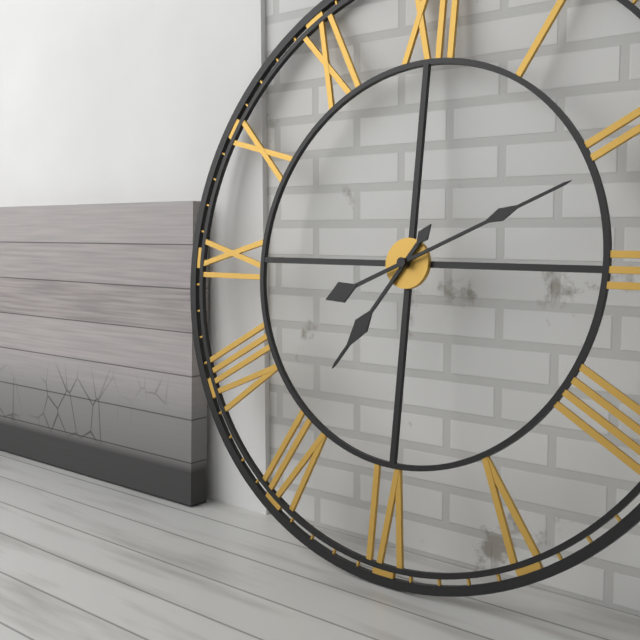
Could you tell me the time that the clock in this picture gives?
7:11
